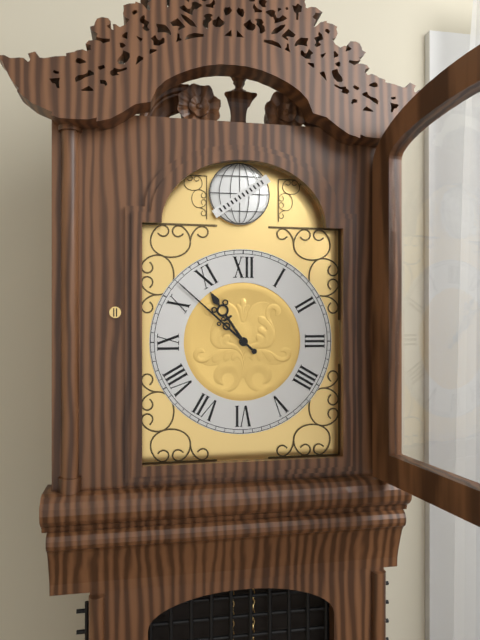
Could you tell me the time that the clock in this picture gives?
10:52
